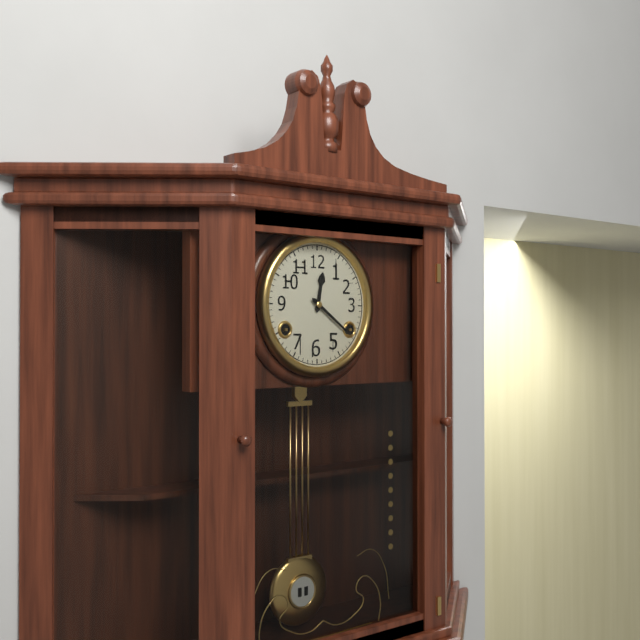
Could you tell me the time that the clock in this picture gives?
12:21
